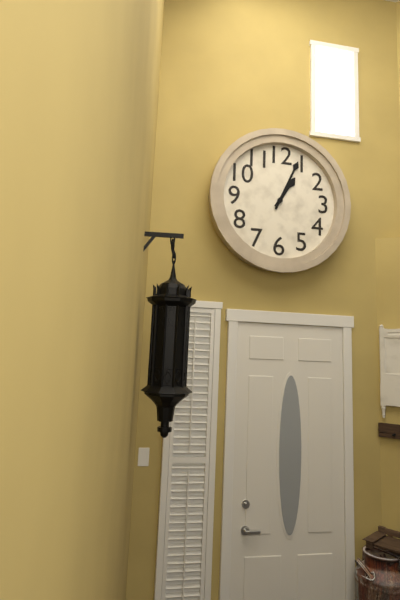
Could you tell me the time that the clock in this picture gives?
1:04
